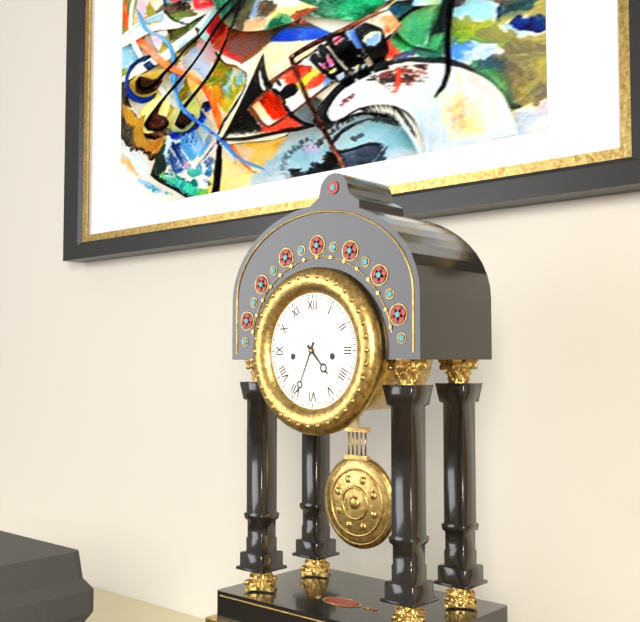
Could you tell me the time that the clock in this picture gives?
4:34
